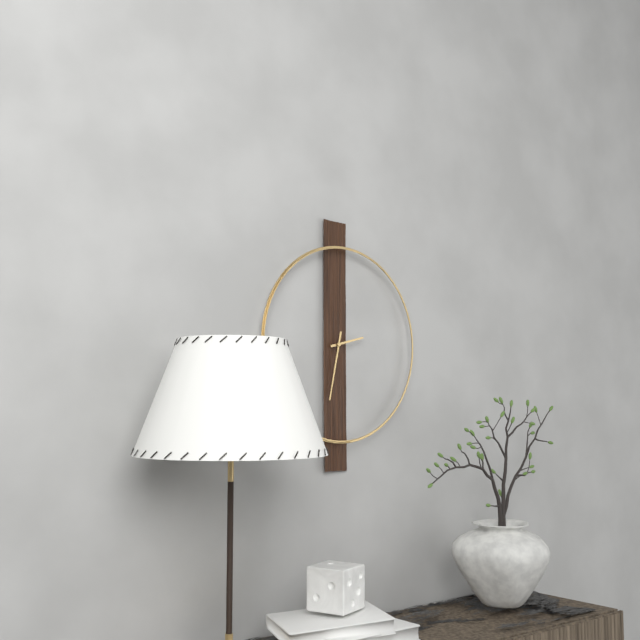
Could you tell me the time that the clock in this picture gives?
2:32
